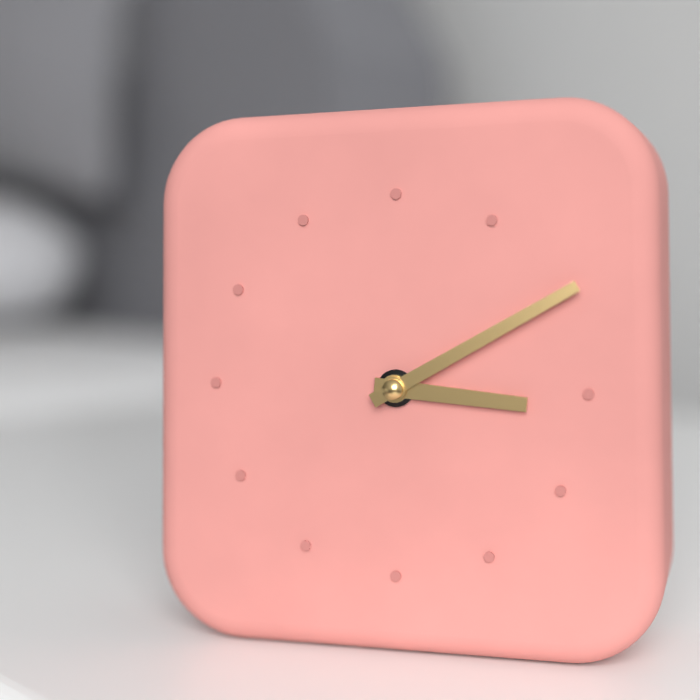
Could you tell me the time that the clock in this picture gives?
3:10
